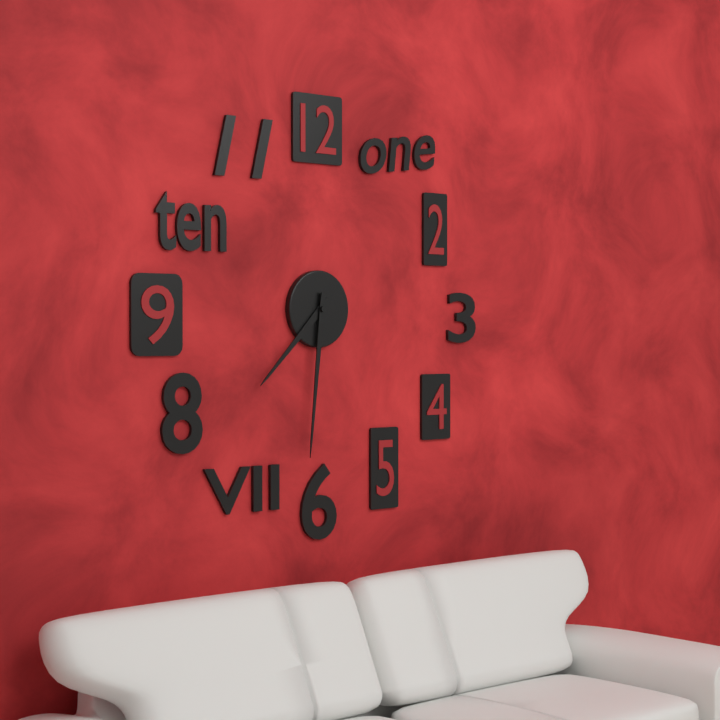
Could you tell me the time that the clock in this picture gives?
7:31
